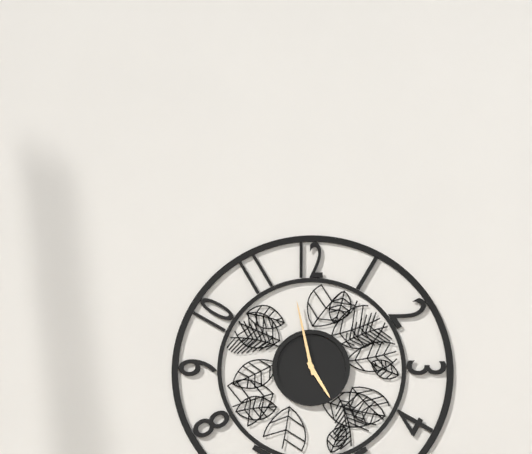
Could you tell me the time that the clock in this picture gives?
4:58
